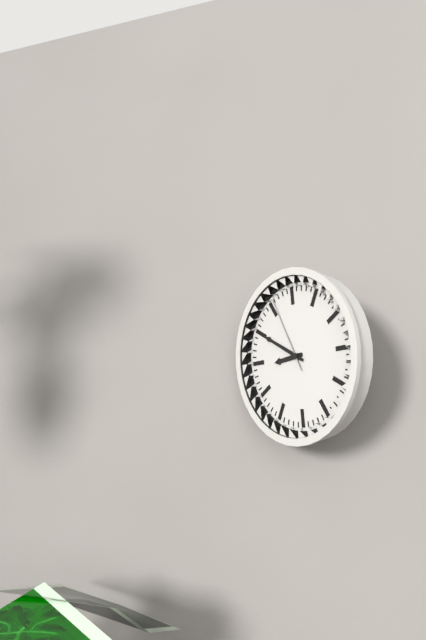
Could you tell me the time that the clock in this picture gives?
8:50:56
